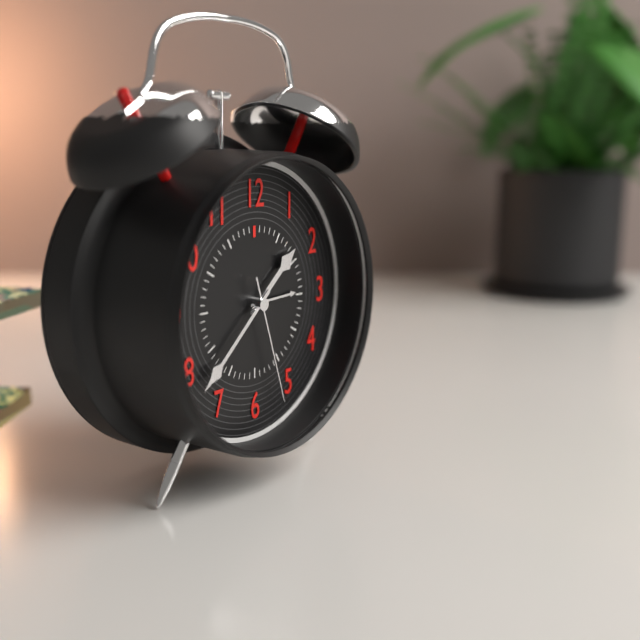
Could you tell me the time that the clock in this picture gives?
1:38:27
